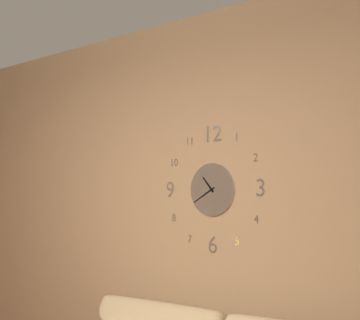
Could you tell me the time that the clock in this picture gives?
10:40
